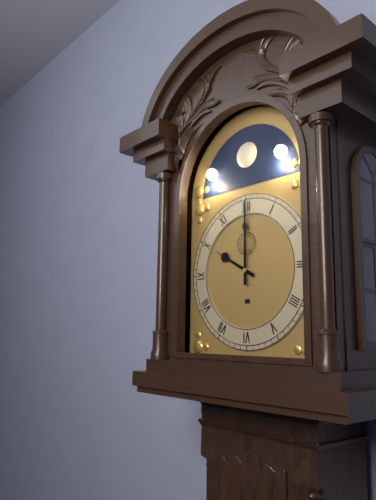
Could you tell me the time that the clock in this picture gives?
10:00
